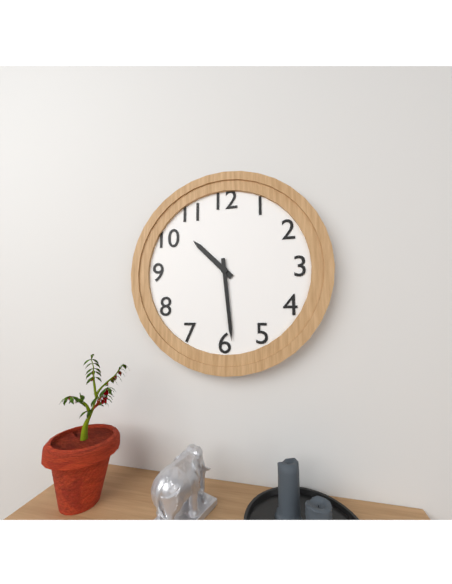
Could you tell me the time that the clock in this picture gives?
10:29
